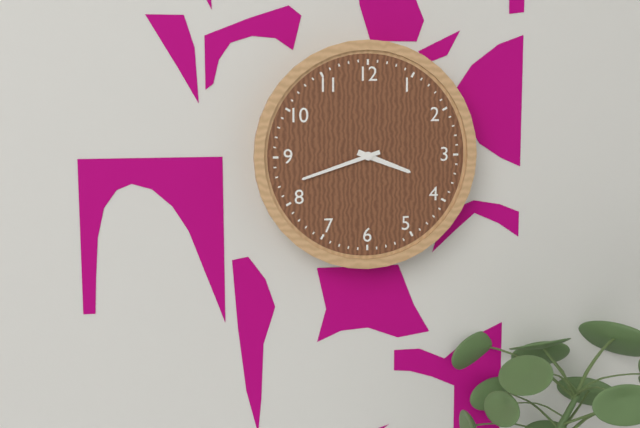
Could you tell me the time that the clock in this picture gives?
3:42
